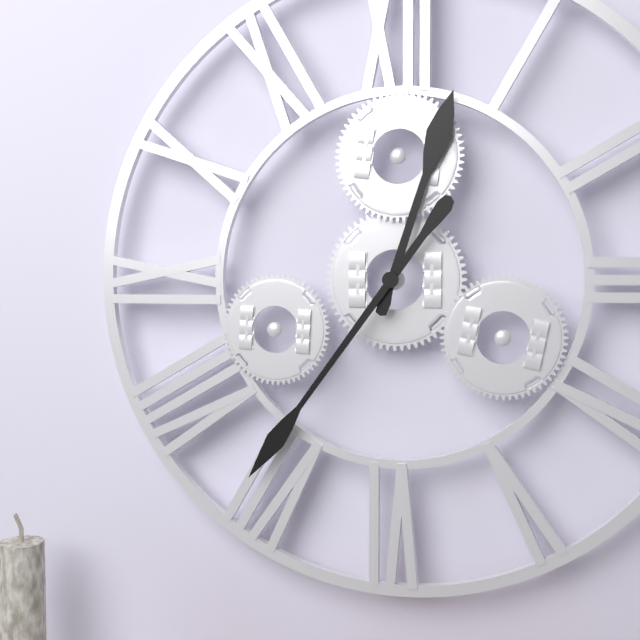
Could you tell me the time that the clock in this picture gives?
12:36
